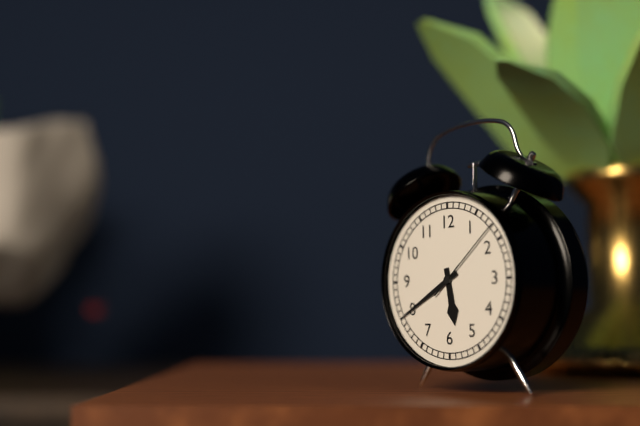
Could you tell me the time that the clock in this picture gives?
5:40:08
